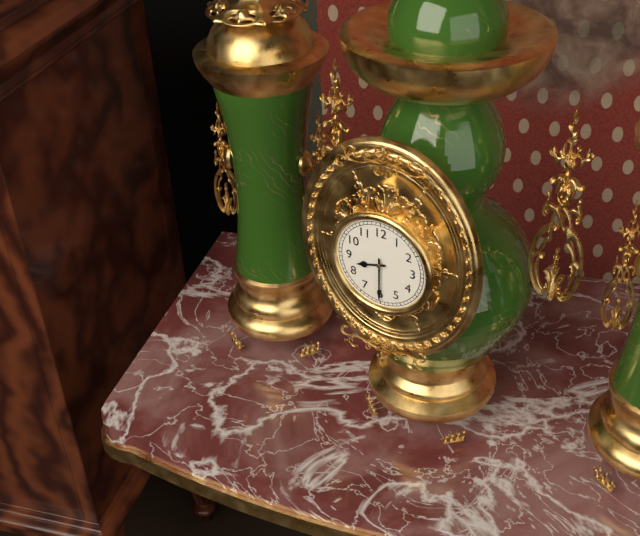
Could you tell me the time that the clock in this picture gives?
8:30
